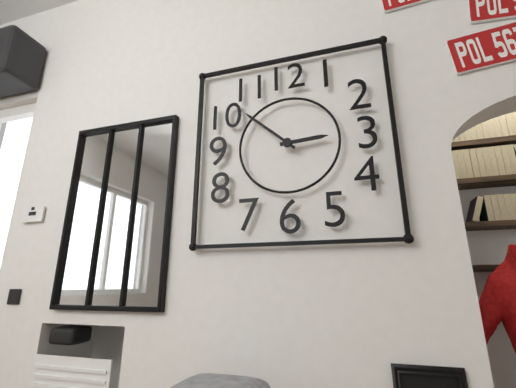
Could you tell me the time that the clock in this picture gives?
2:52
